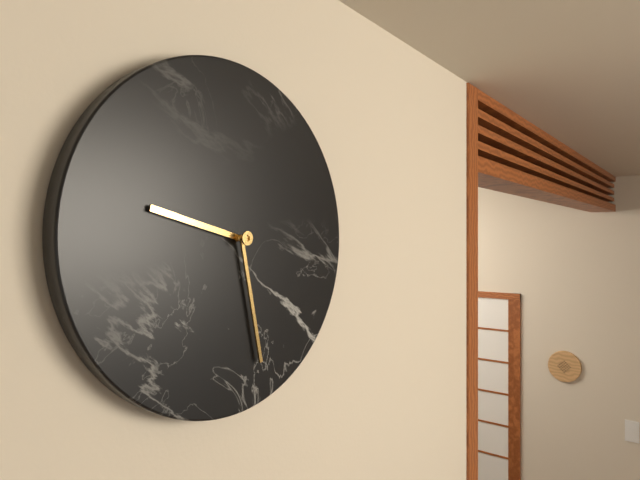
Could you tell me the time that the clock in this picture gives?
9:28
